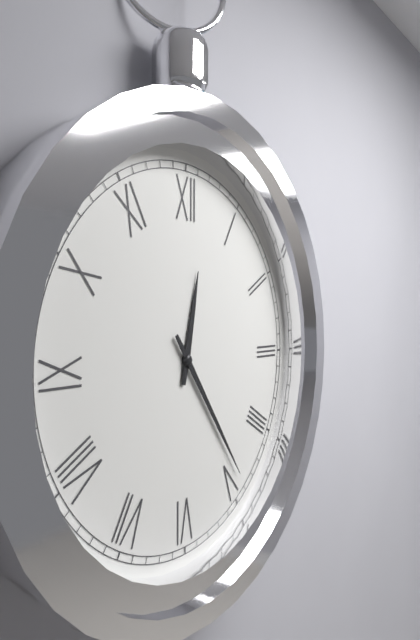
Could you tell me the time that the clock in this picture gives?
12:24
